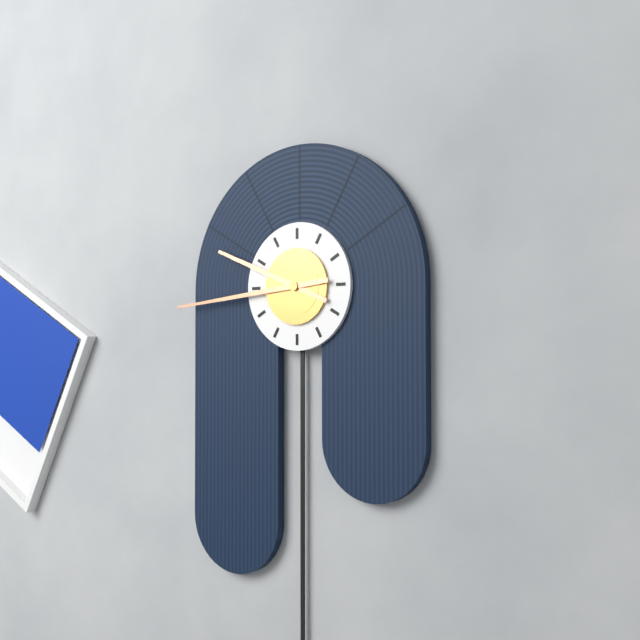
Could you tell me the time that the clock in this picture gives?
9:44
